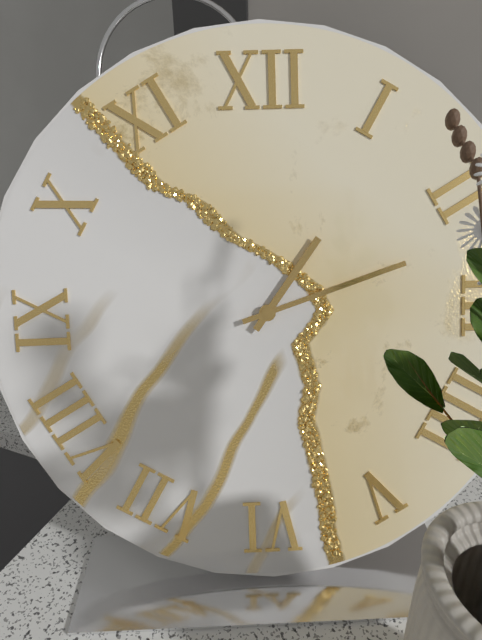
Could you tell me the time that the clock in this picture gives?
1:12
